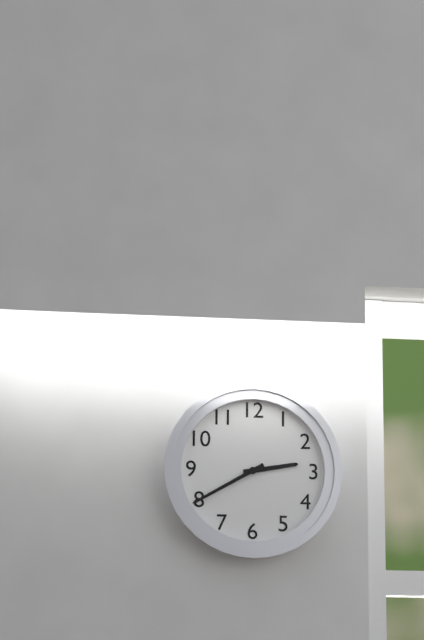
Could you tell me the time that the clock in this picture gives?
2:40
